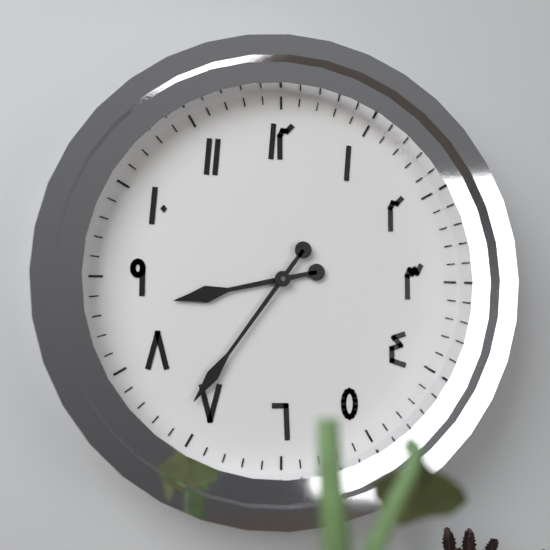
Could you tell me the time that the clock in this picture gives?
8:36
